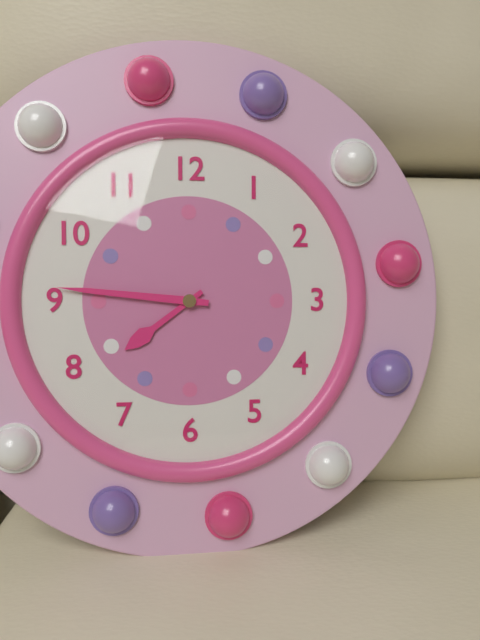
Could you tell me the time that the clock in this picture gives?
7:46
